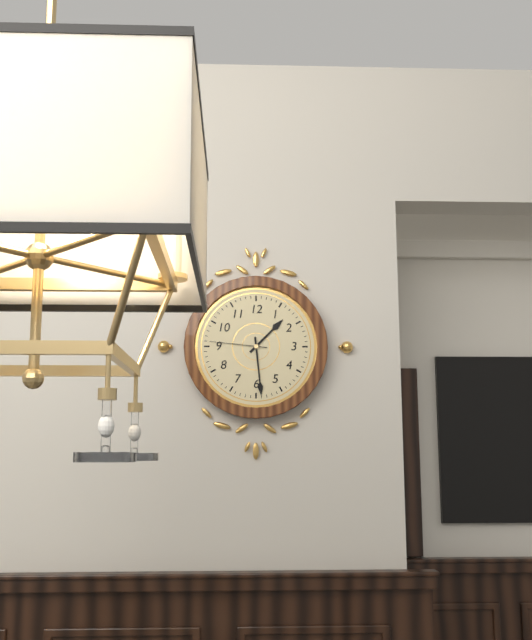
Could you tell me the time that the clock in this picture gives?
1:29:46
